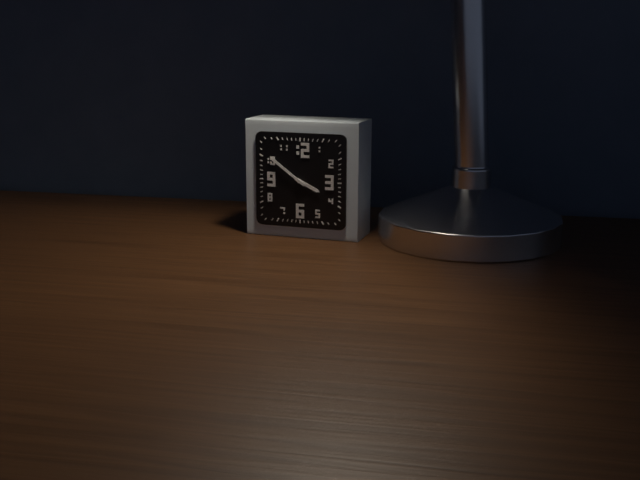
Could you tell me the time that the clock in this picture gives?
3:51
